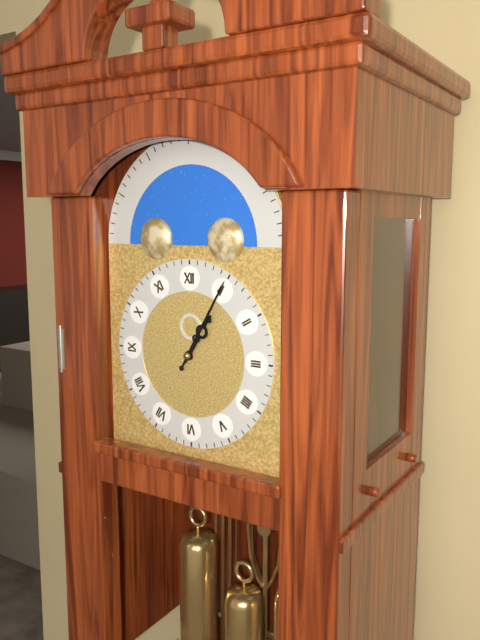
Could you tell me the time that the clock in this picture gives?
1:05
